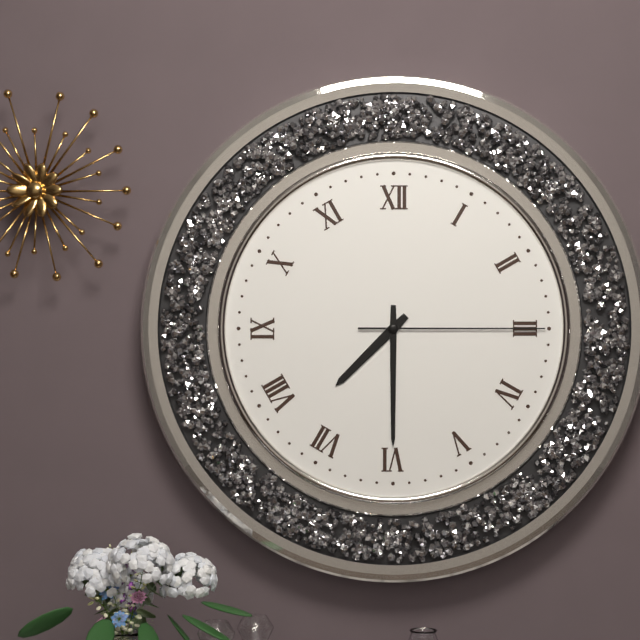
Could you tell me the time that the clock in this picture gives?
7:30:15
